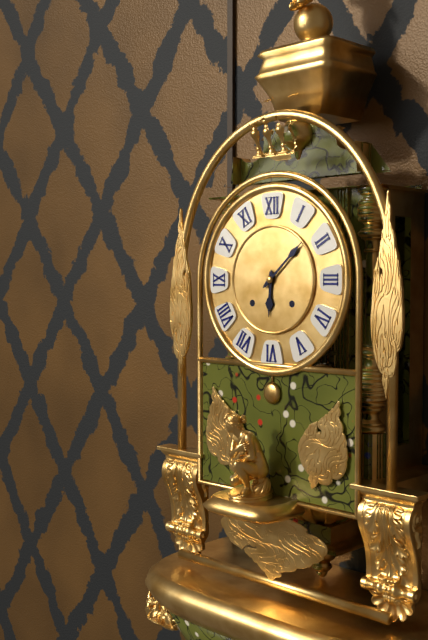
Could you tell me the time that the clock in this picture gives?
6:08
